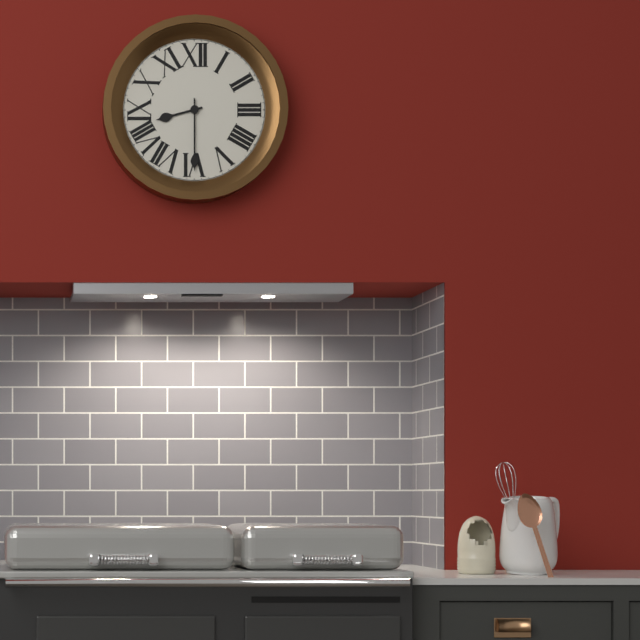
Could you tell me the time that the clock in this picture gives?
8:30
